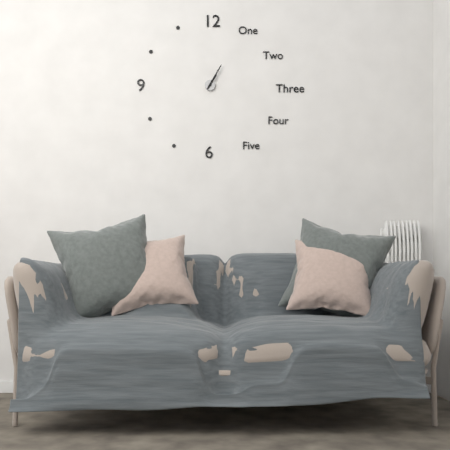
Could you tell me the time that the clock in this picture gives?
1:05
